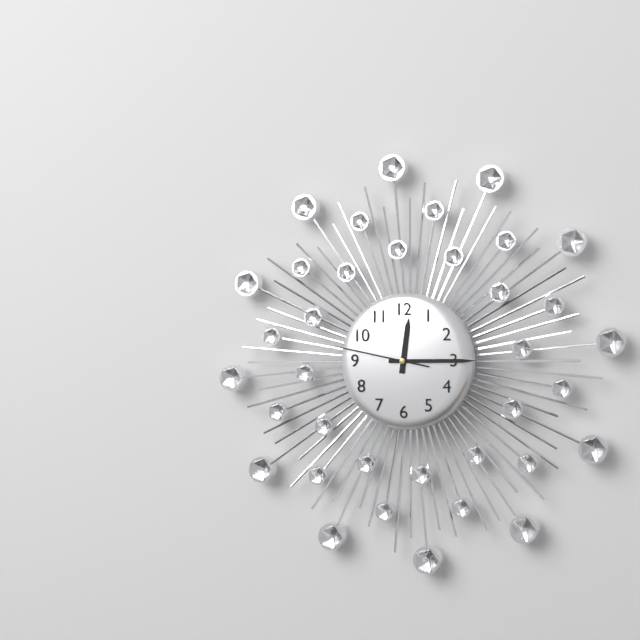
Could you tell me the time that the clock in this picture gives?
12:15:47
